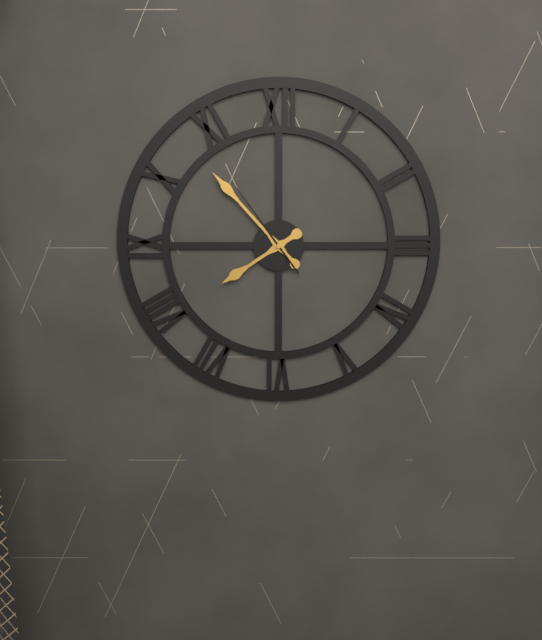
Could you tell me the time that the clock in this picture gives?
7:53:54
